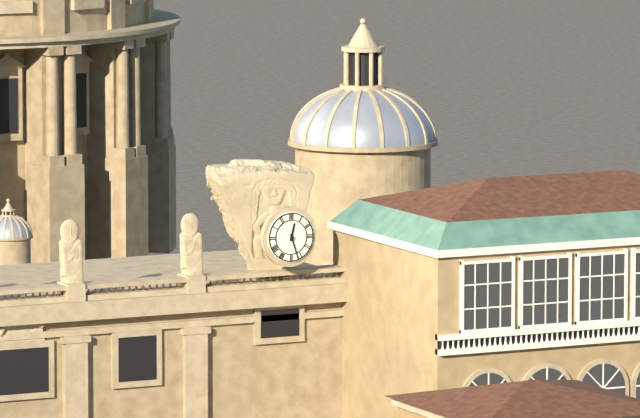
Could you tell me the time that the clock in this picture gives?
12:27
